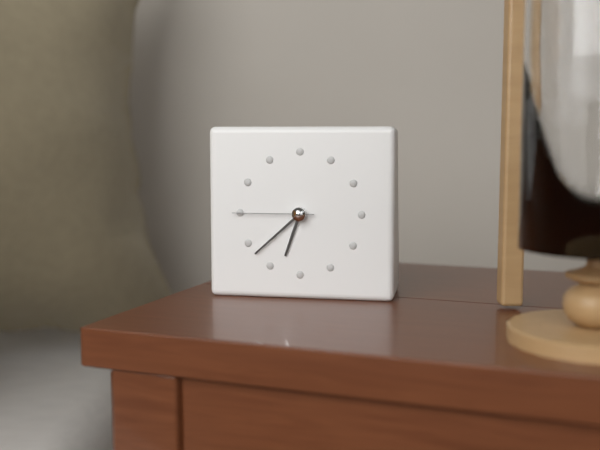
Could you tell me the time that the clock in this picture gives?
6:38:45
